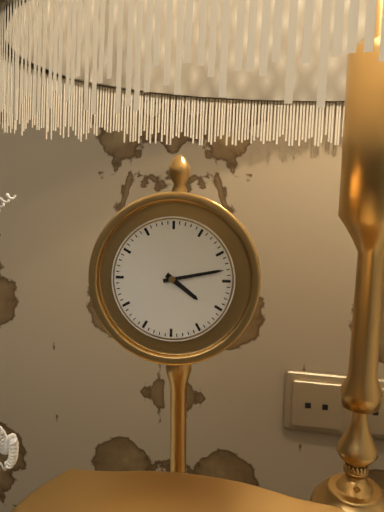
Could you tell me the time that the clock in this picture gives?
4:13
